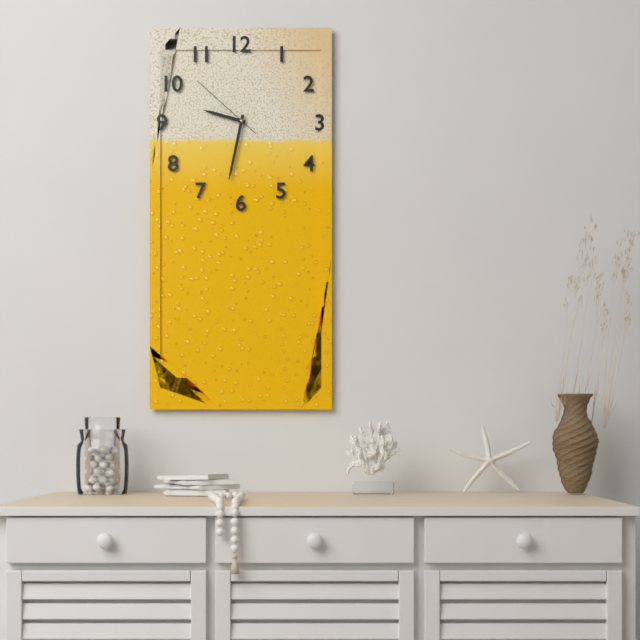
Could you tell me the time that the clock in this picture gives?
9:32:52
